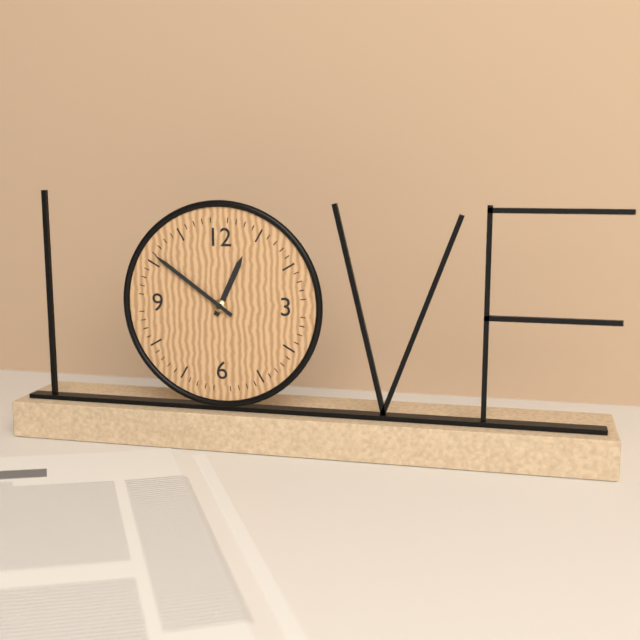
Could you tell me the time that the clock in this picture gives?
12:51
